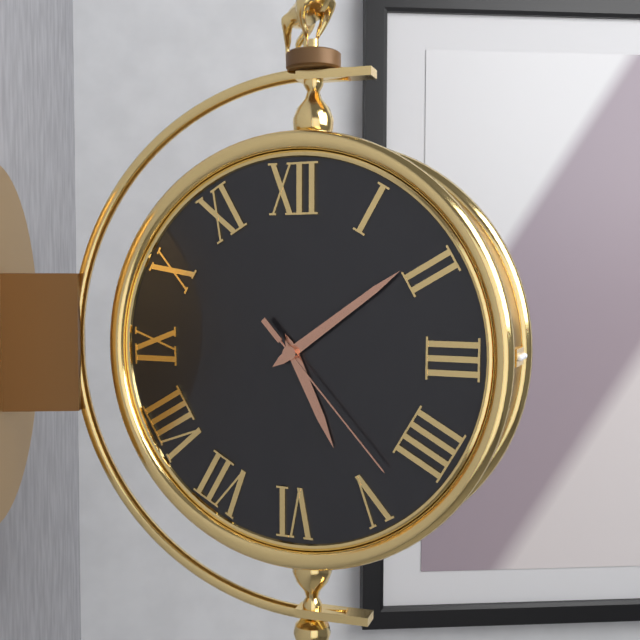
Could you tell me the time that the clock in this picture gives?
5:09:23
